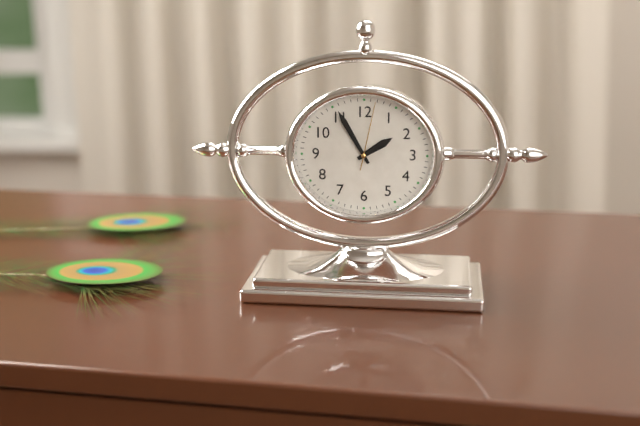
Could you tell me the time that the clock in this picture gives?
1:55:02
